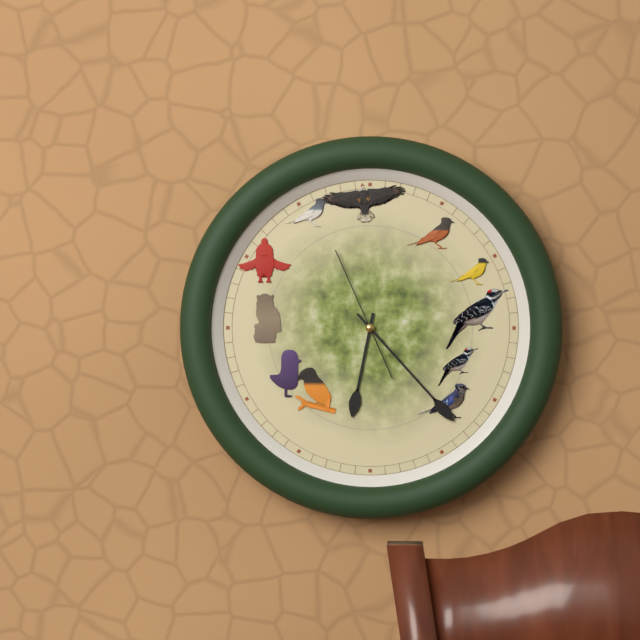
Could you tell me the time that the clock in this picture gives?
6:23:56
